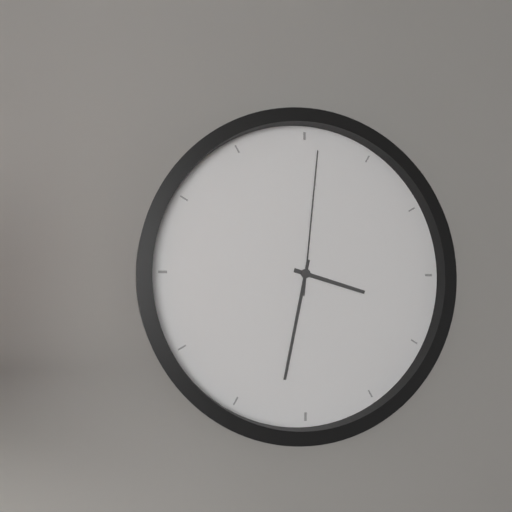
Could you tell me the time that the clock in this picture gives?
3:32:01
